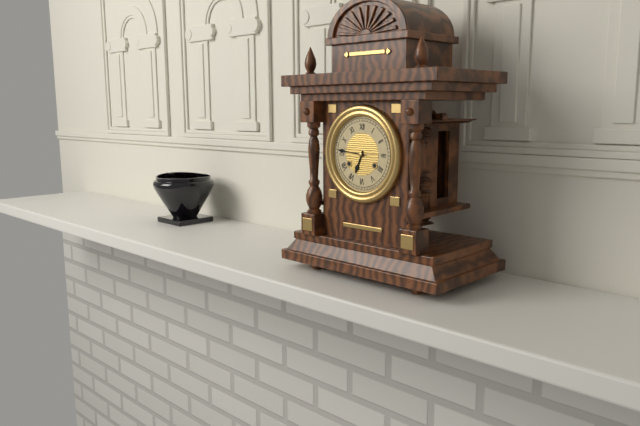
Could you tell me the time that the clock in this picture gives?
6:46
